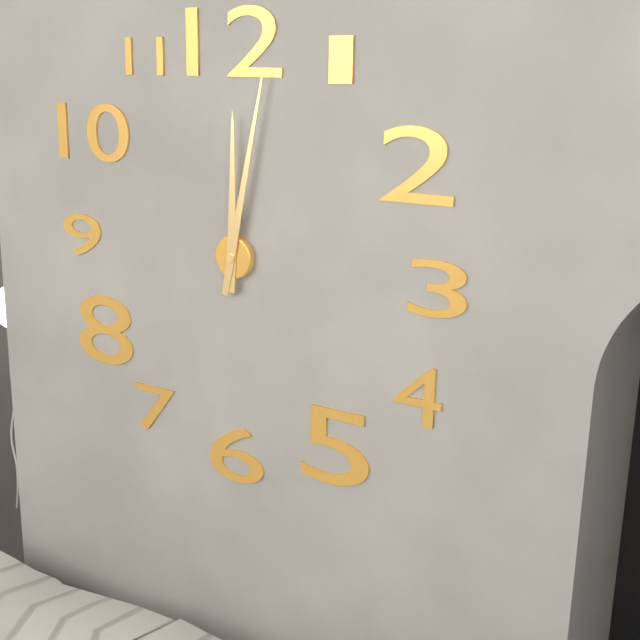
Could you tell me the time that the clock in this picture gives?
12:02
